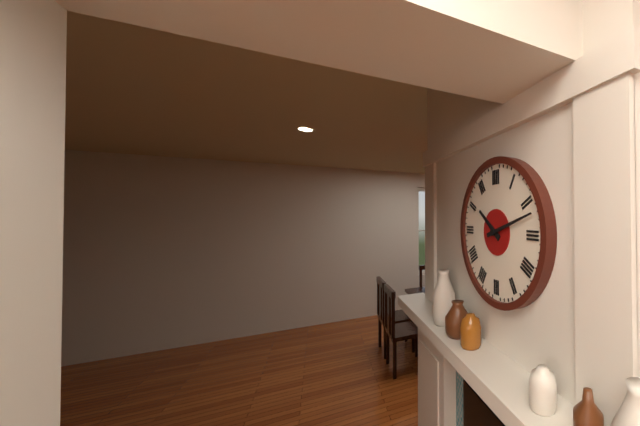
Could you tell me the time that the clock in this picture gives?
10:12
